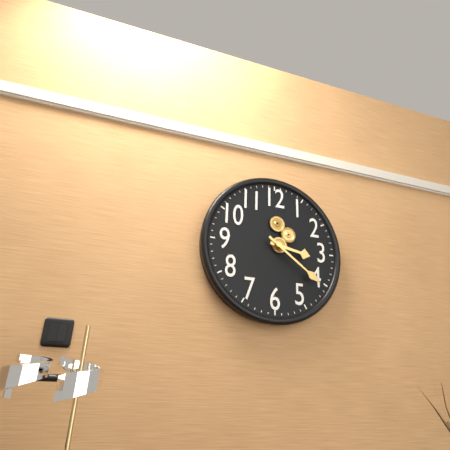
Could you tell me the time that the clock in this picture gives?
3:21
